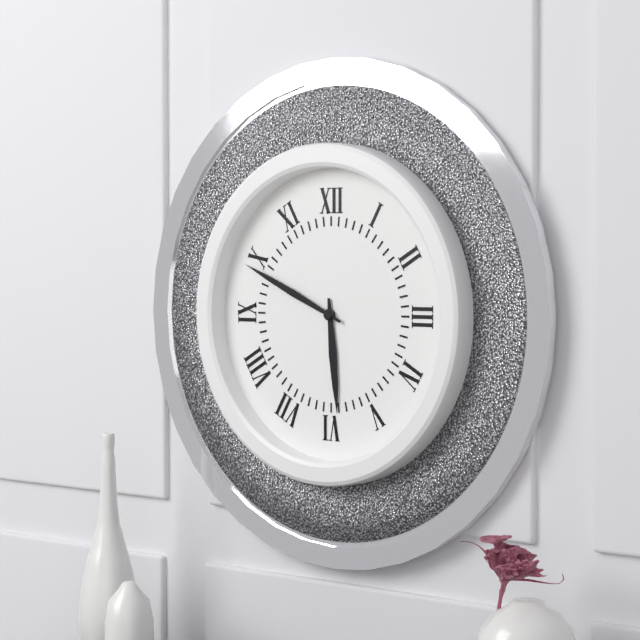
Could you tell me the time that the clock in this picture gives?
5:49
